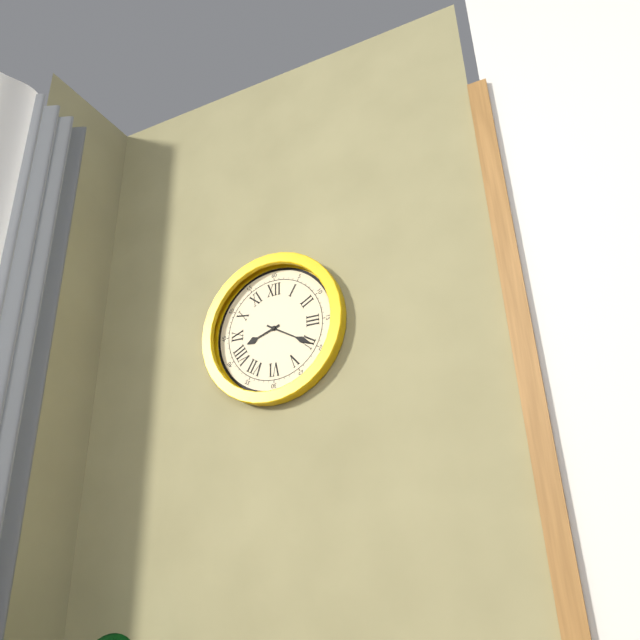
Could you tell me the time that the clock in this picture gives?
8:20
